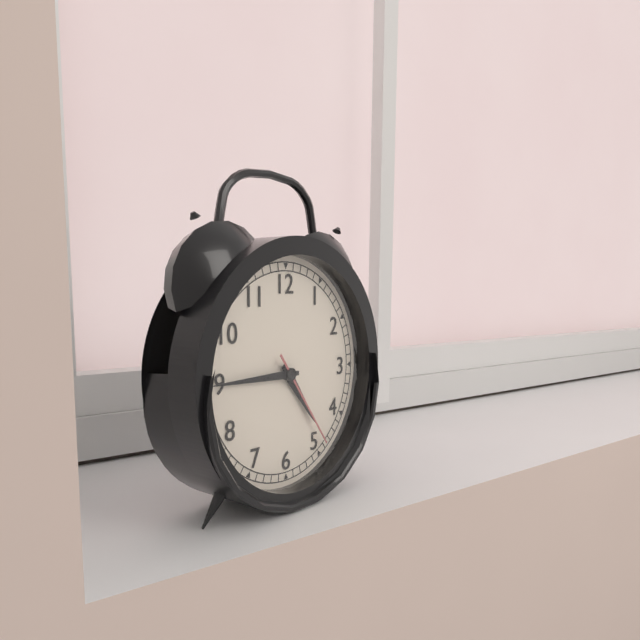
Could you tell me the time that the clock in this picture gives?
4:45:24
